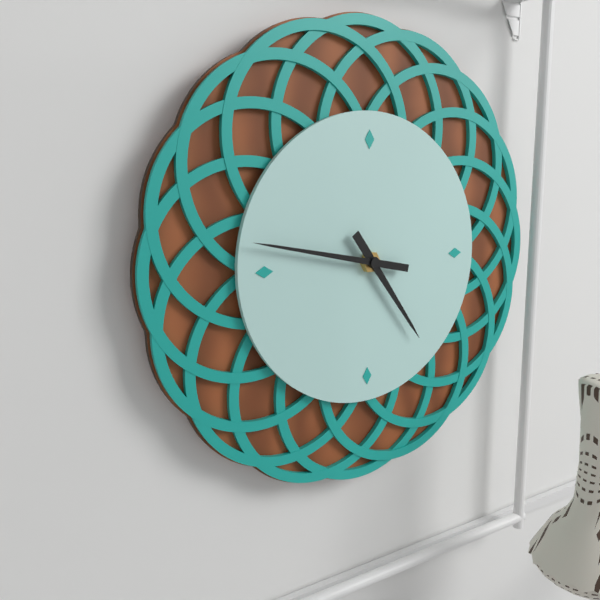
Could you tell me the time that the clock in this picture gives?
4:47
